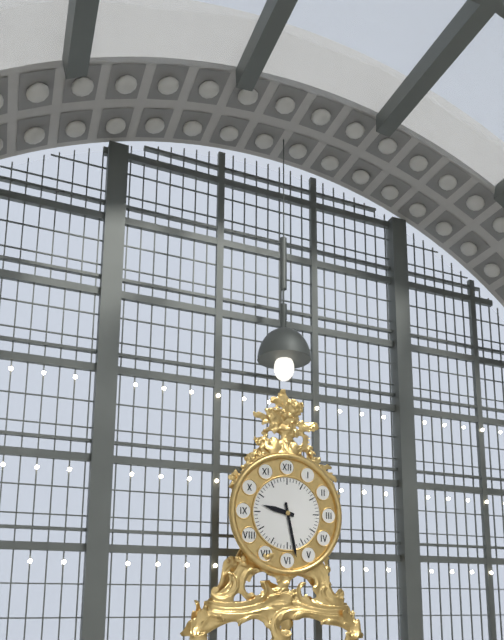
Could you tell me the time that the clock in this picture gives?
9:28
